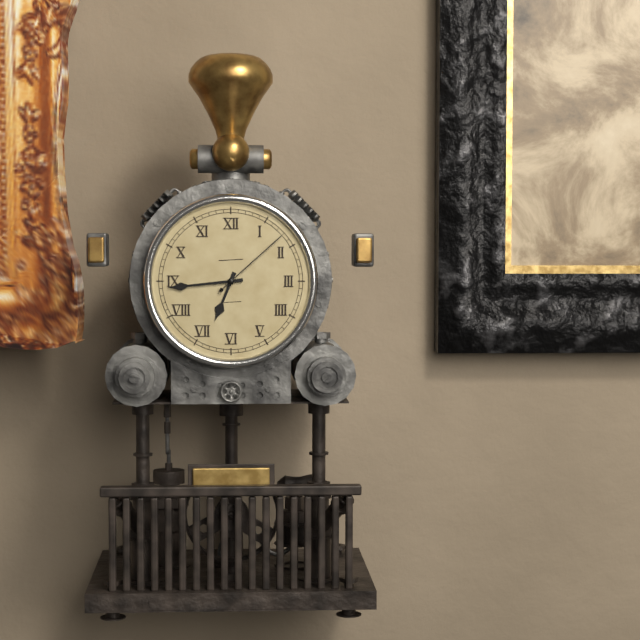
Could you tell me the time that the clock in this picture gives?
6:44:08
